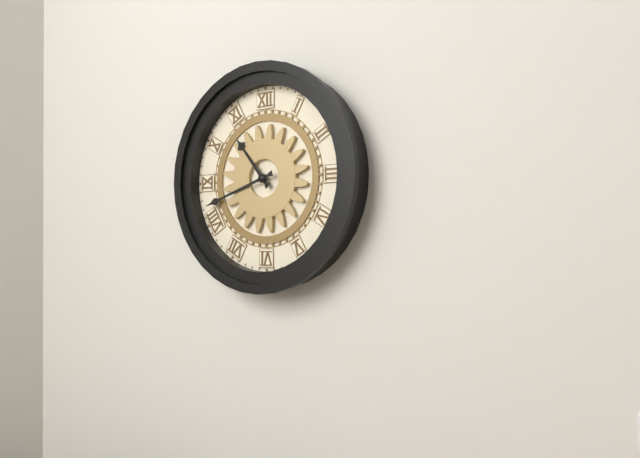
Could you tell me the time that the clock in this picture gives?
10:42
